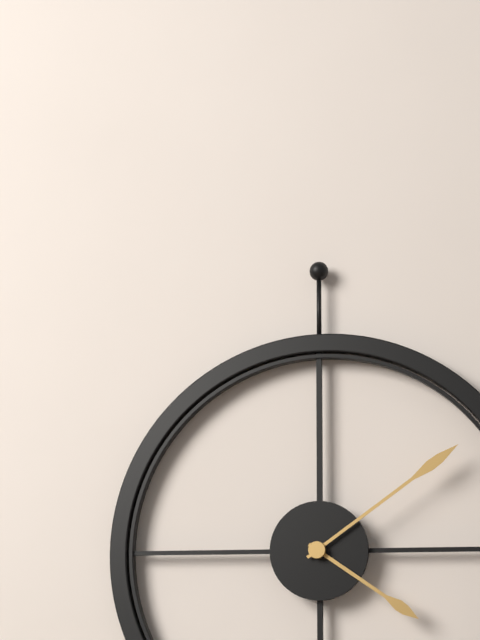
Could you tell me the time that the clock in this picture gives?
4:09
